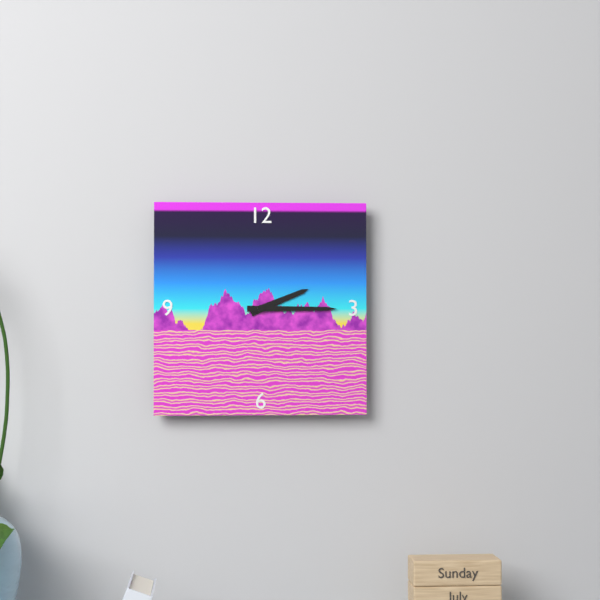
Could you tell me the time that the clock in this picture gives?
2:15
